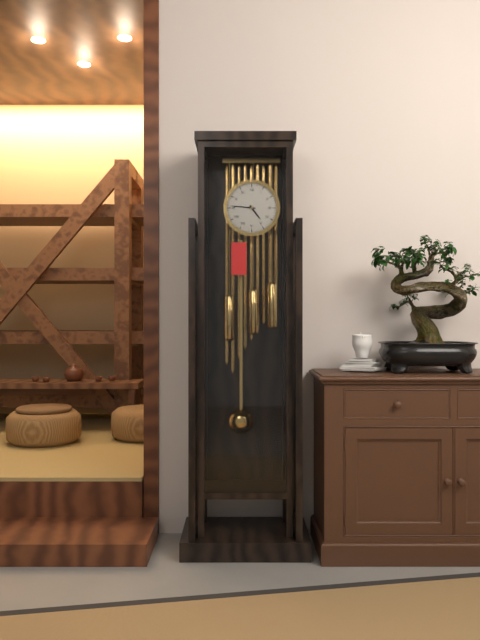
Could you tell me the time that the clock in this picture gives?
4:46
